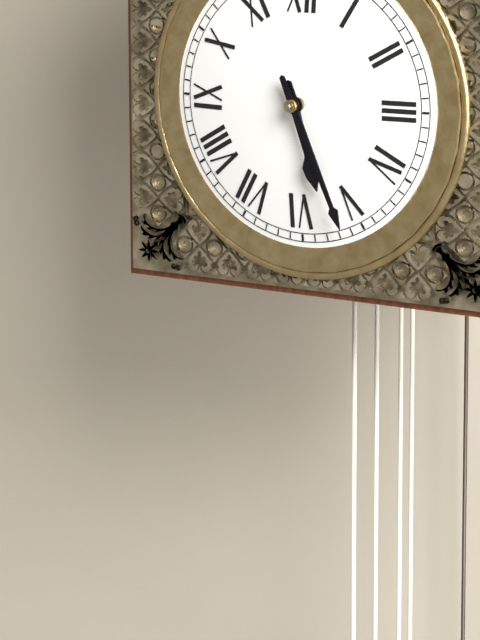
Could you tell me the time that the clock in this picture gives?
5:26
